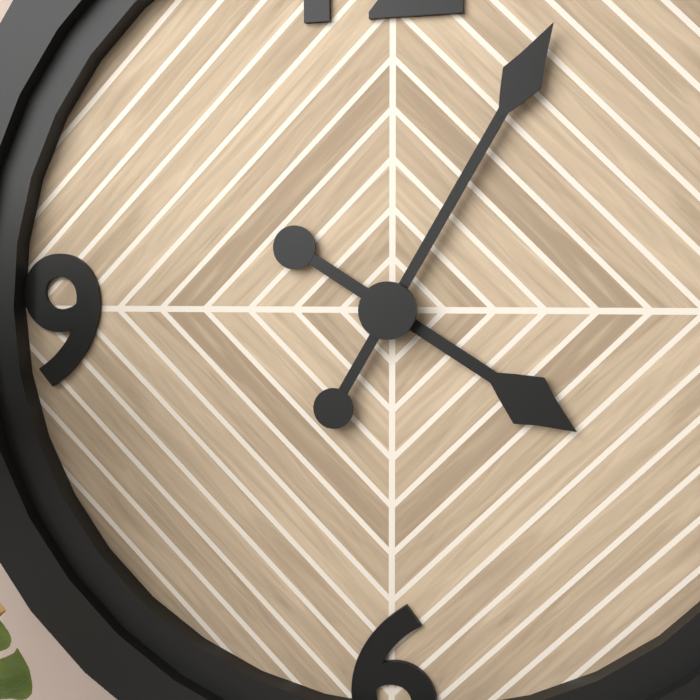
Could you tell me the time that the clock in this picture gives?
4:05
